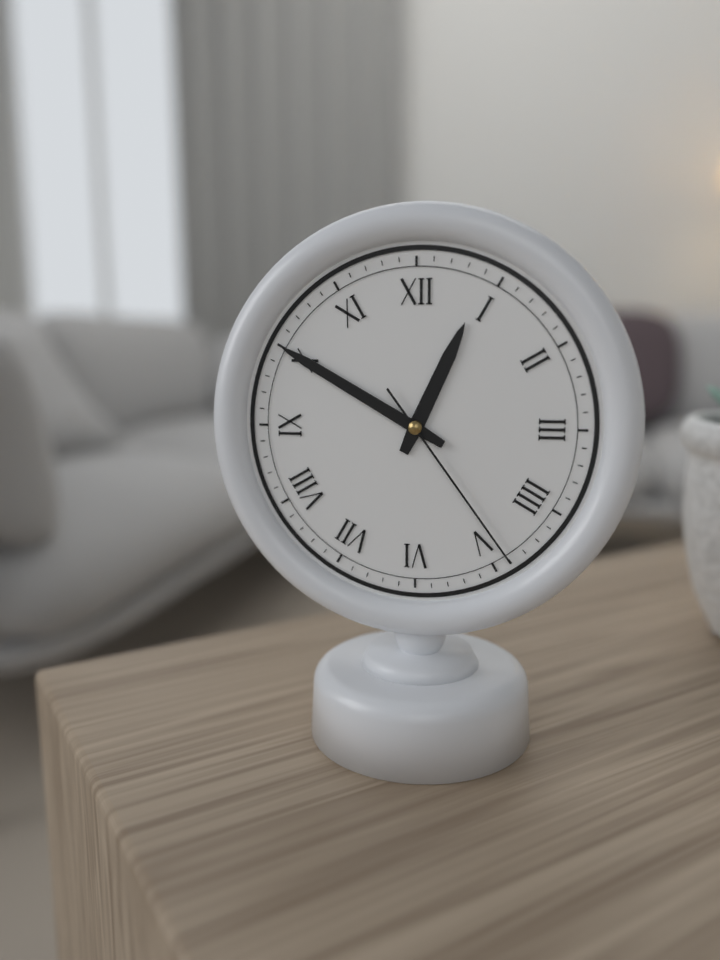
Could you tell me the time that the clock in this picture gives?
12:50:24
